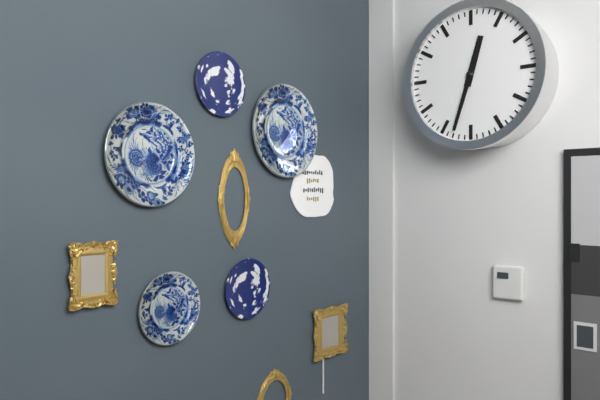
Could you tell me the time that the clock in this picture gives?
12:33
